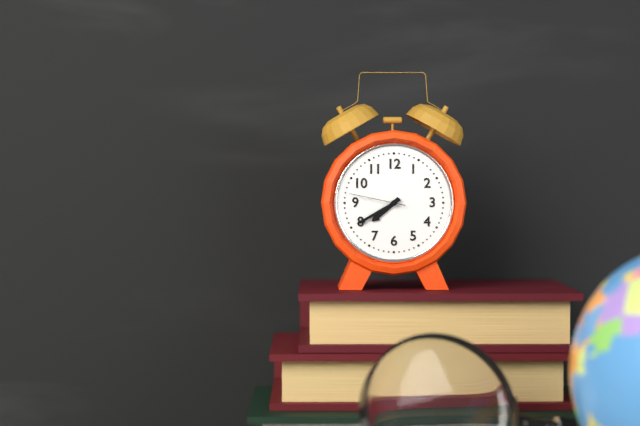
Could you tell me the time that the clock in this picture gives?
7:40:47
